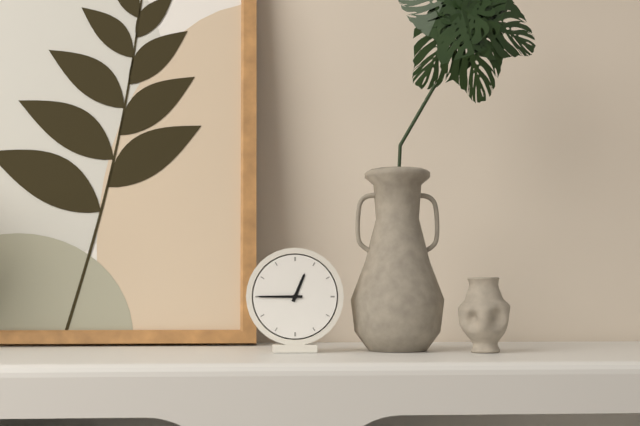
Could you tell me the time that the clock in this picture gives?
12:45
